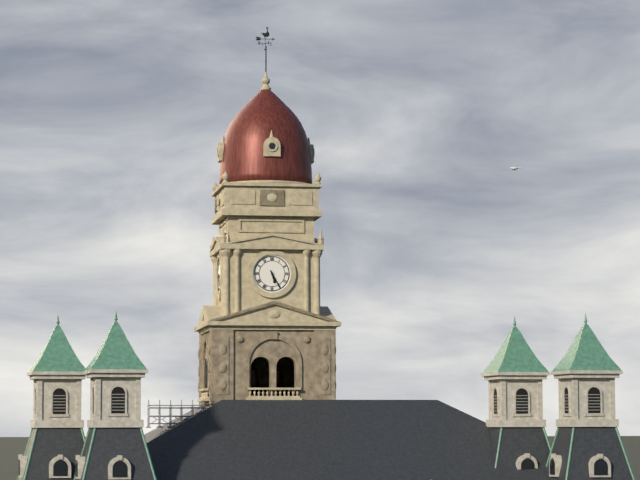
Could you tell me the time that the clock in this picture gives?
5:25
